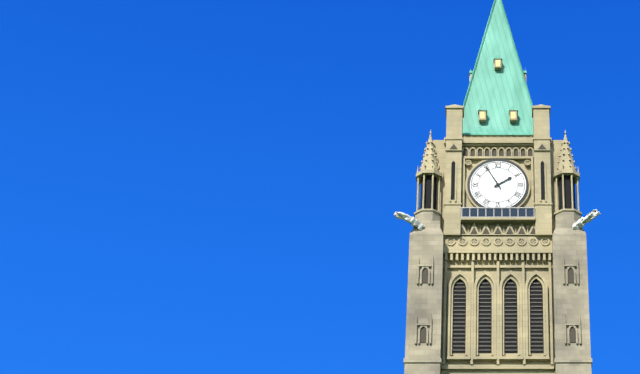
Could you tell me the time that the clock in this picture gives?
1:55
